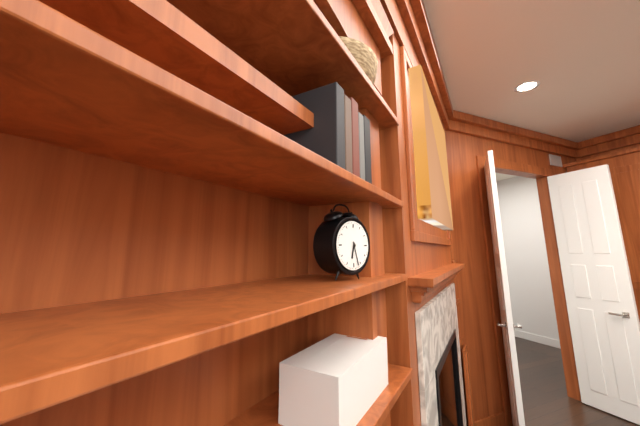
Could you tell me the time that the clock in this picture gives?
6:27
